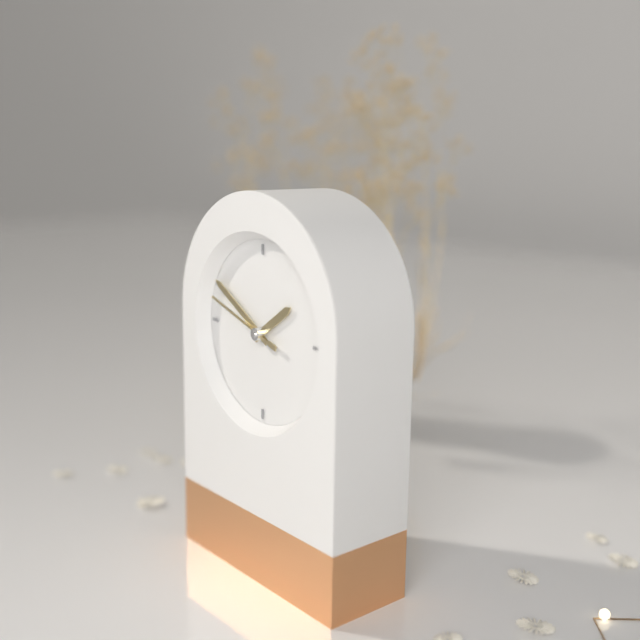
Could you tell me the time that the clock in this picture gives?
1:50:48
